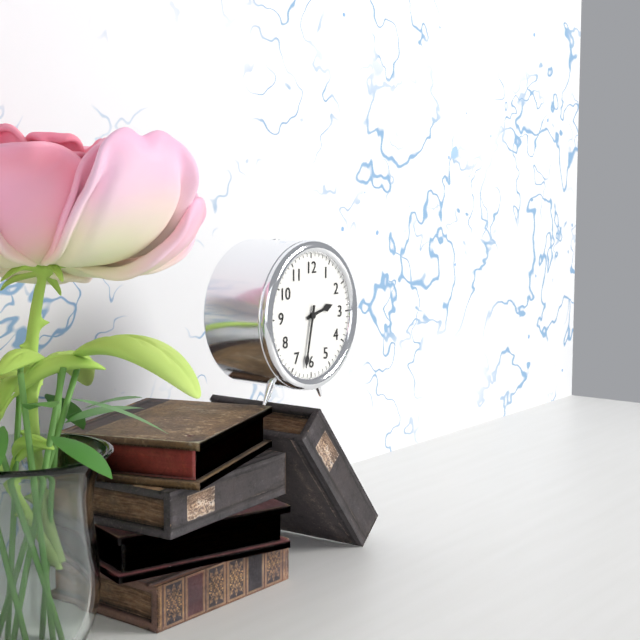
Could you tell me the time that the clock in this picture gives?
2:32
